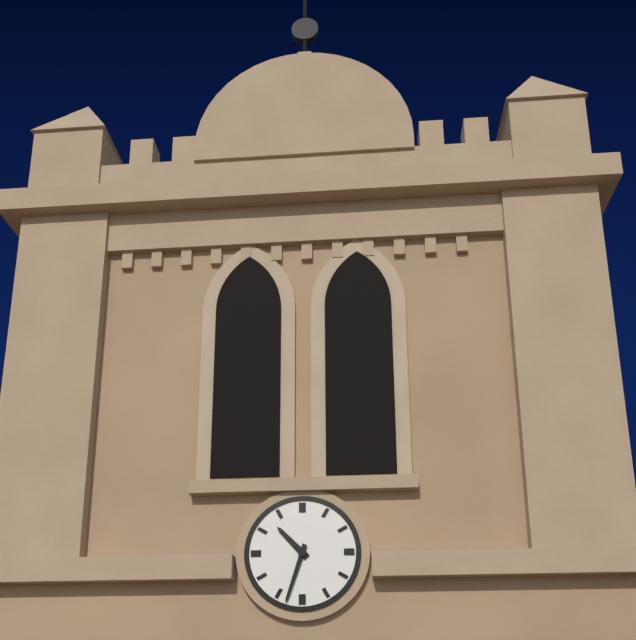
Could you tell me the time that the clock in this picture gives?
10:33
